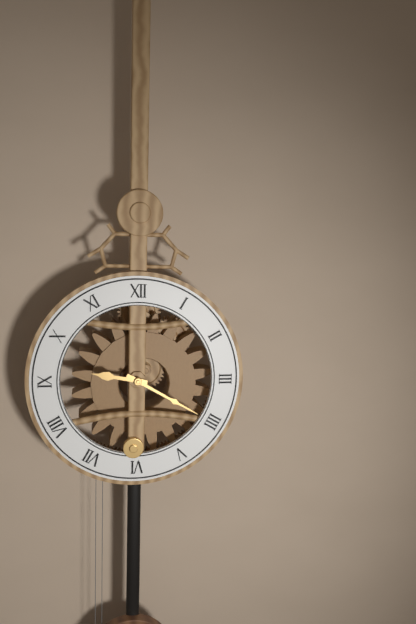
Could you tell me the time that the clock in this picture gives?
9:20
